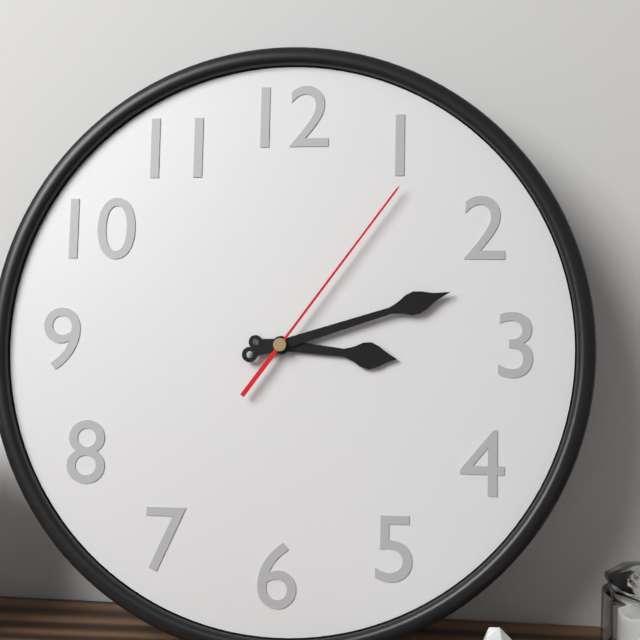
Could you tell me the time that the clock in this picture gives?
3:12:06
